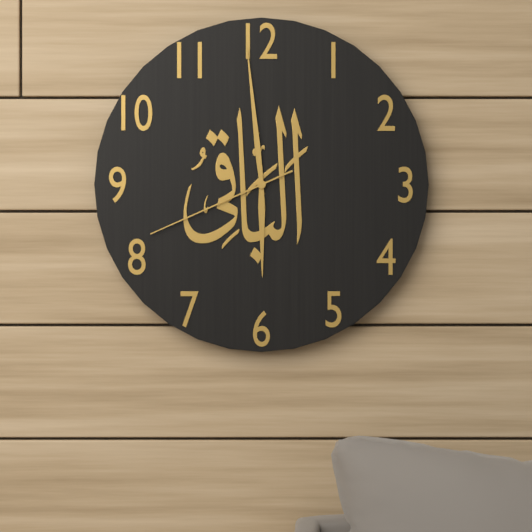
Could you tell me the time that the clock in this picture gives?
5:59:41
